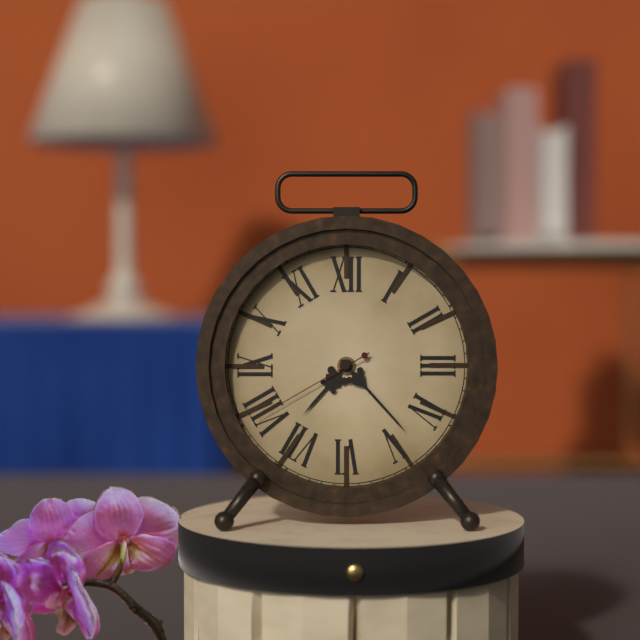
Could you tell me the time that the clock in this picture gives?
7:23:40
